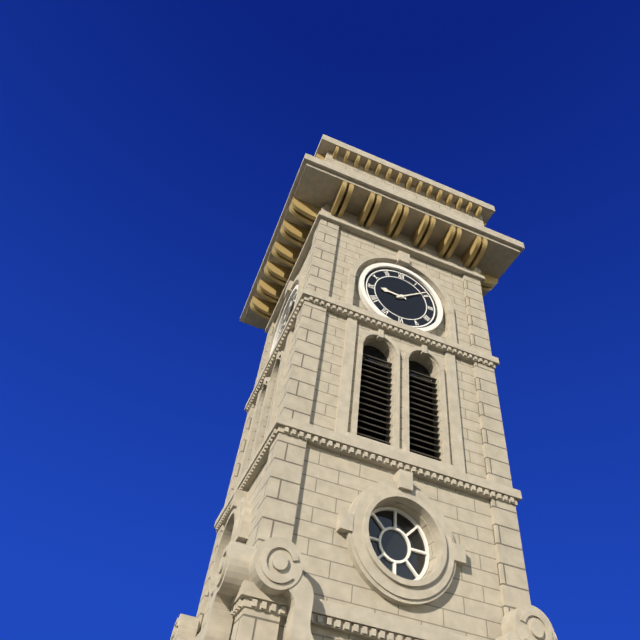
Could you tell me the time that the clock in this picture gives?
9:09
